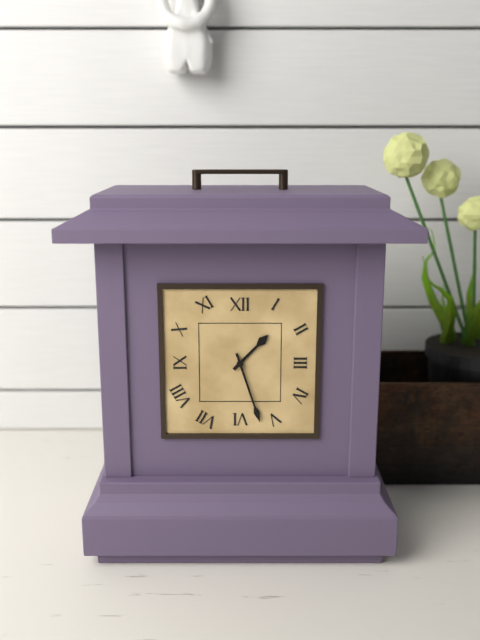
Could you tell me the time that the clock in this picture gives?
1:27
